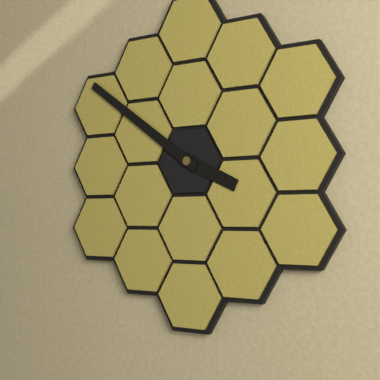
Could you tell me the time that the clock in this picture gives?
3:51
